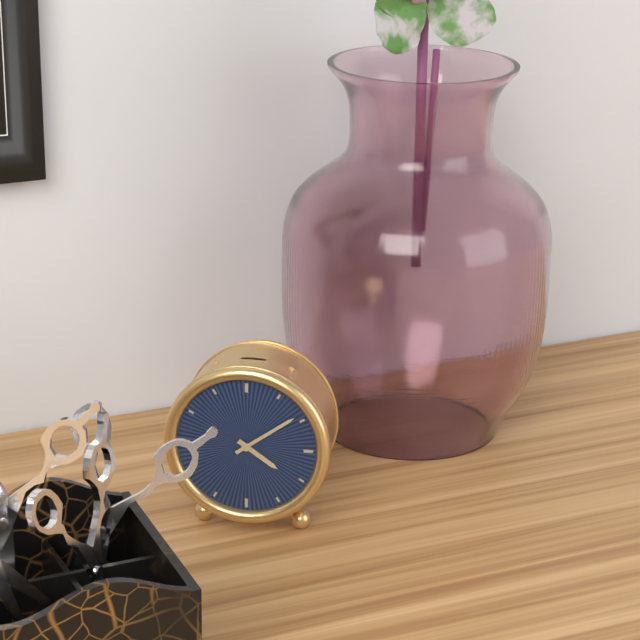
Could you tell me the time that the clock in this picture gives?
4:09
